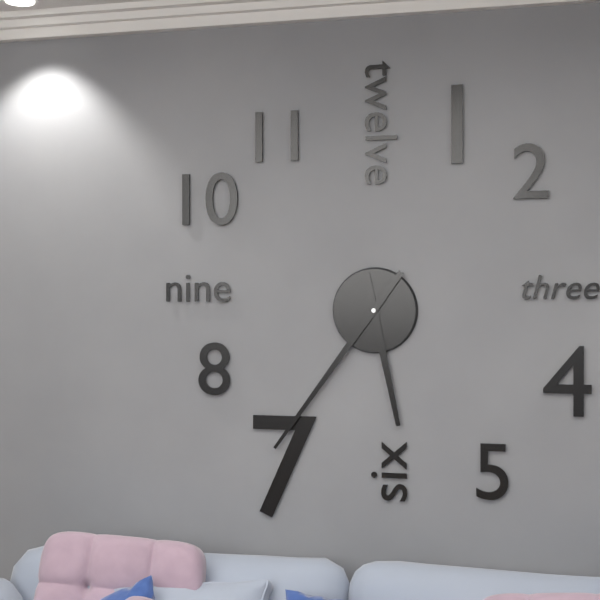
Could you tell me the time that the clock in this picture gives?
5:36
